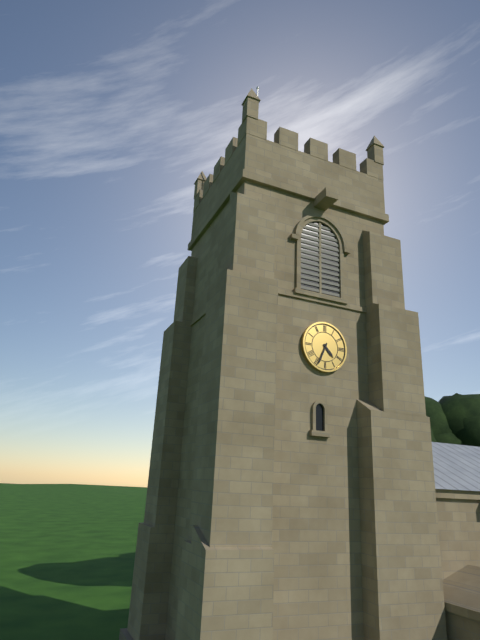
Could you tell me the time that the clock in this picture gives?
4:34
